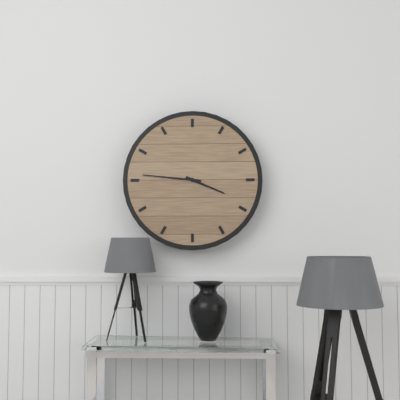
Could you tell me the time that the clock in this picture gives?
3:46
